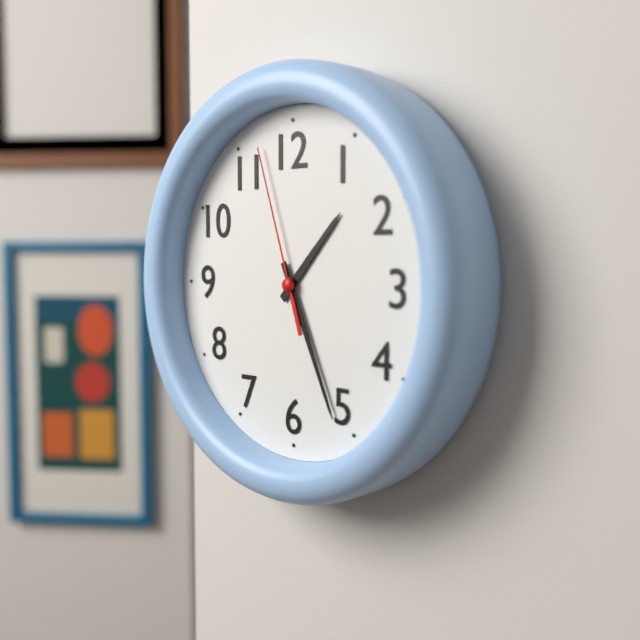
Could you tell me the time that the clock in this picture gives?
1:26:57
